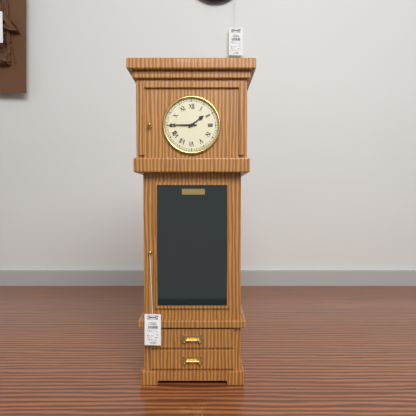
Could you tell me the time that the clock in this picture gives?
1:45
